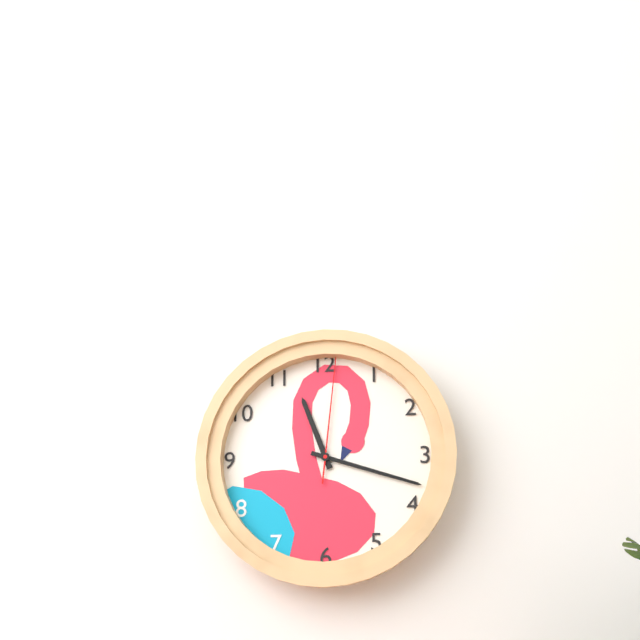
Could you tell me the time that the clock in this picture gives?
11:18:01
